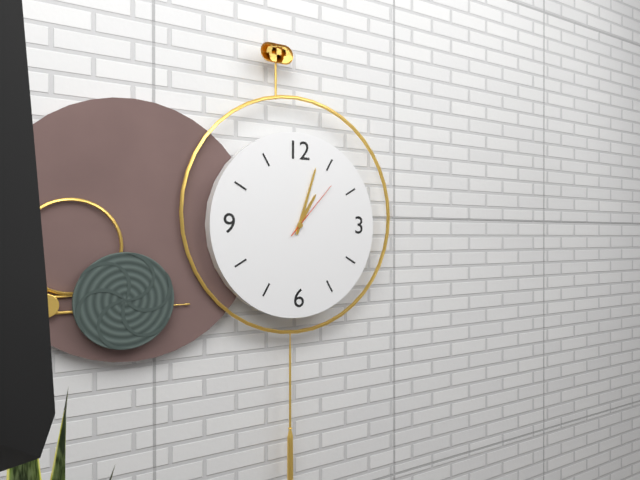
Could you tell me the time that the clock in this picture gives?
1:03:07
